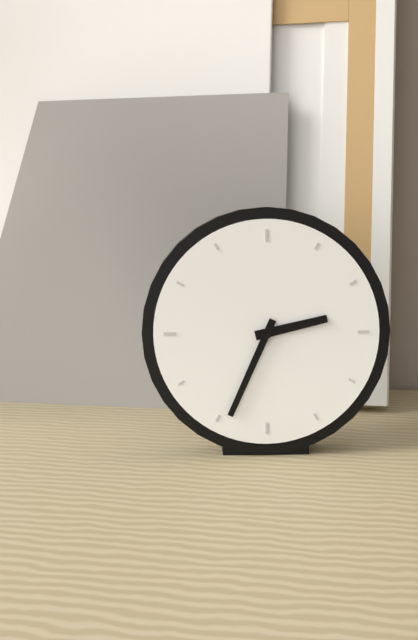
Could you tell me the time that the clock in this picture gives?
2:34
